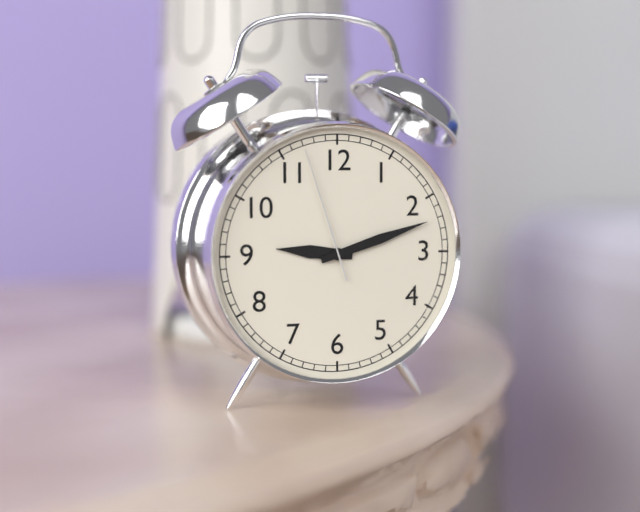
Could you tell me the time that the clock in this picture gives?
9:12:57
